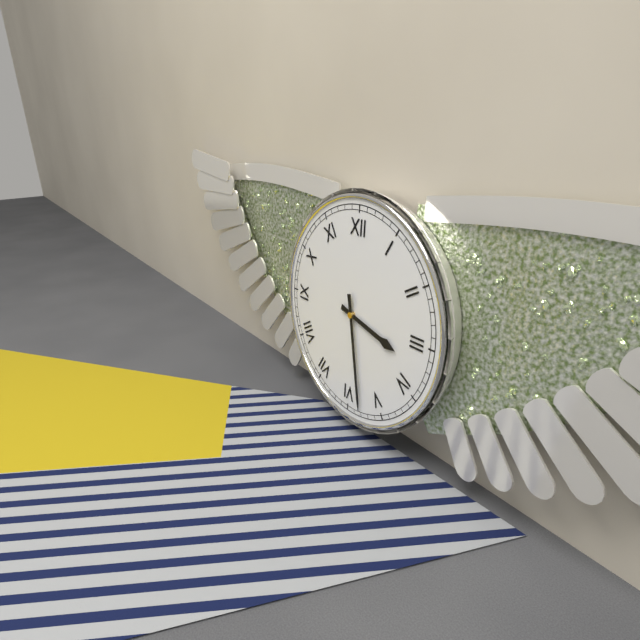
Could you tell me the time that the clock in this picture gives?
3:28
